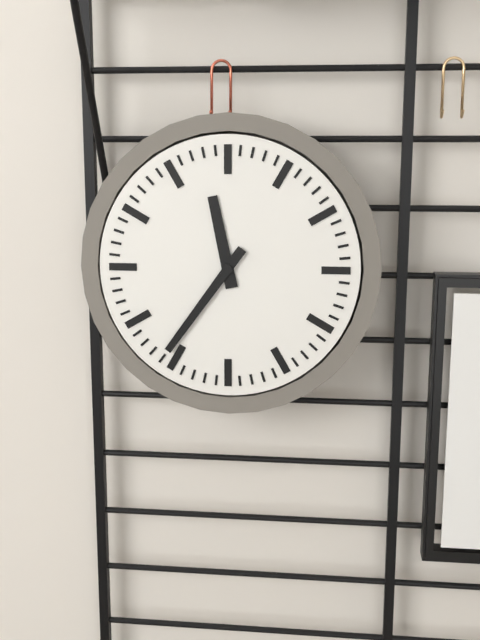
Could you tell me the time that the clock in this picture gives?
11:36
